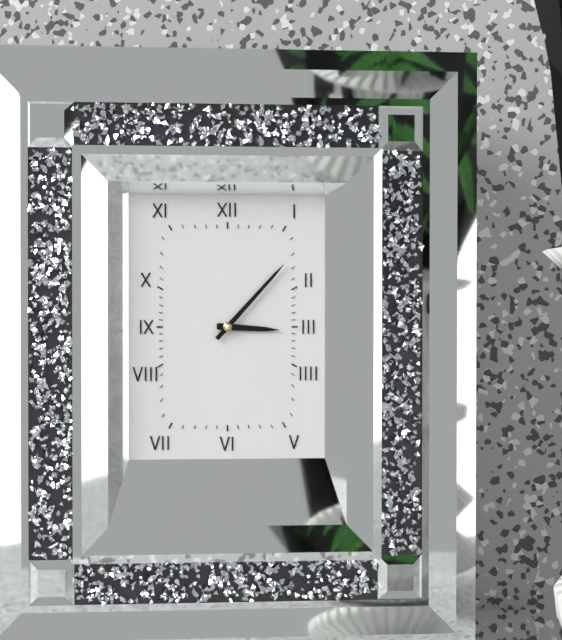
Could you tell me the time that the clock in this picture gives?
3:07
